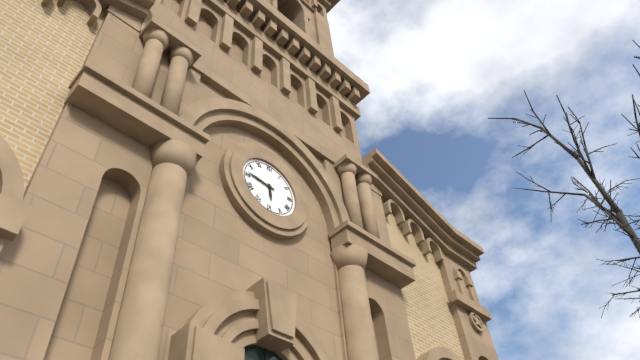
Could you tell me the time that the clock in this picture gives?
5:46
